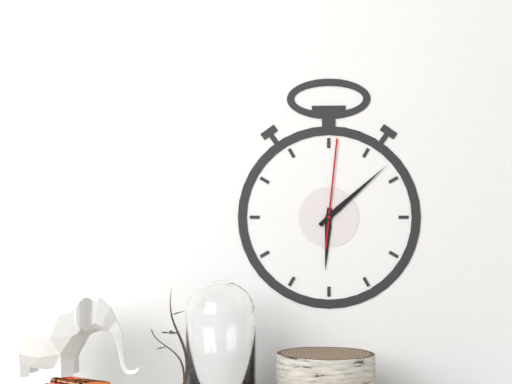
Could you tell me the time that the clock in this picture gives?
6:08:01
